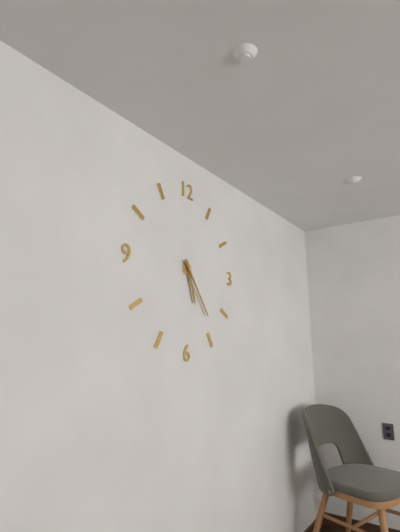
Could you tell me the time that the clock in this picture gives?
5:24
